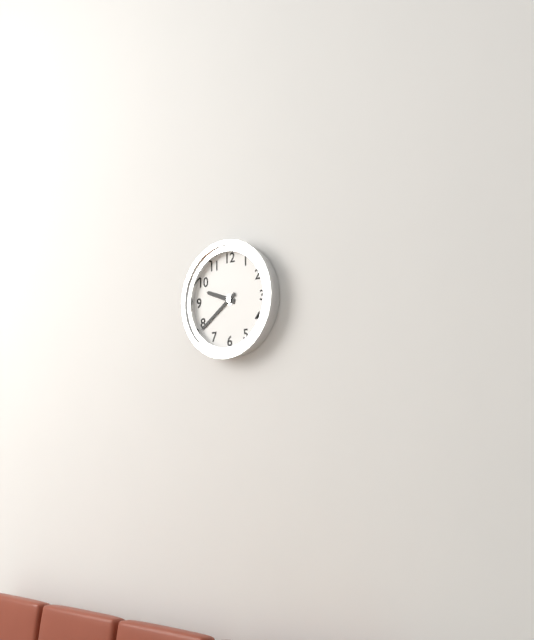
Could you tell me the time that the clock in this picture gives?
9:39
